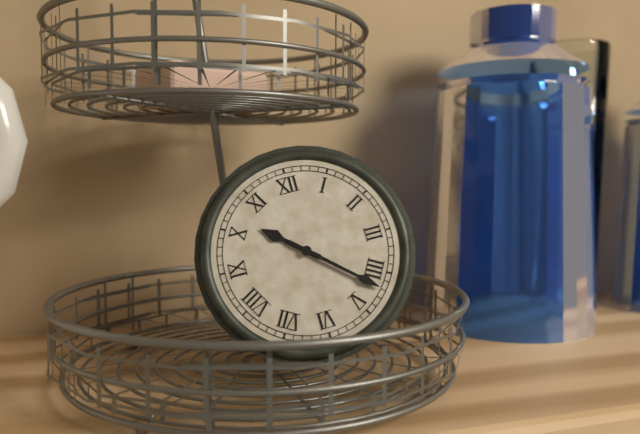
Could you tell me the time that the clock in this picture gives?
10:22
